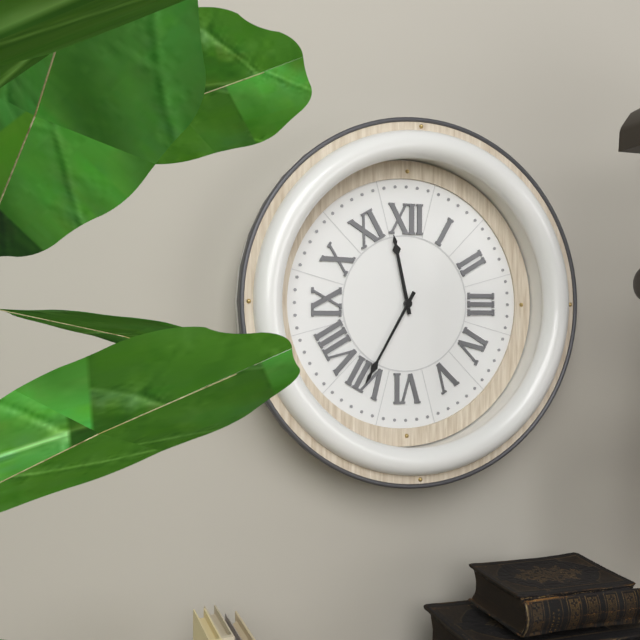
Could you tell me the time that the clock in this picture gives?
11:35
